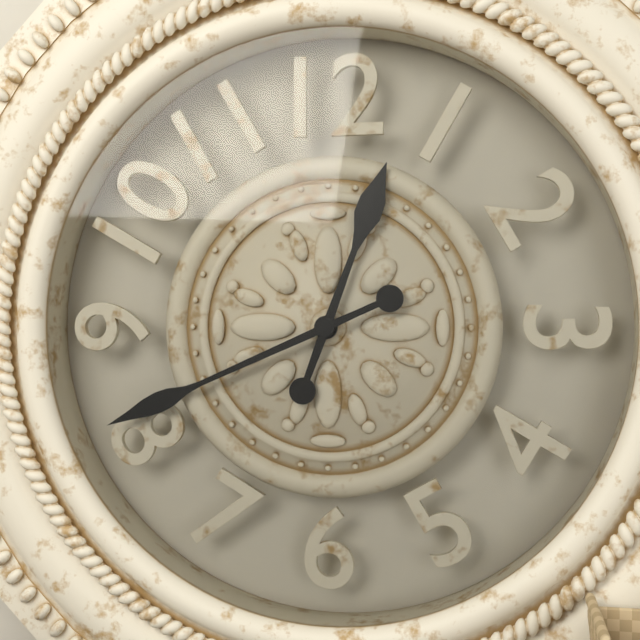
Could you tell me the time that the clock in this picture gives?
12:41
